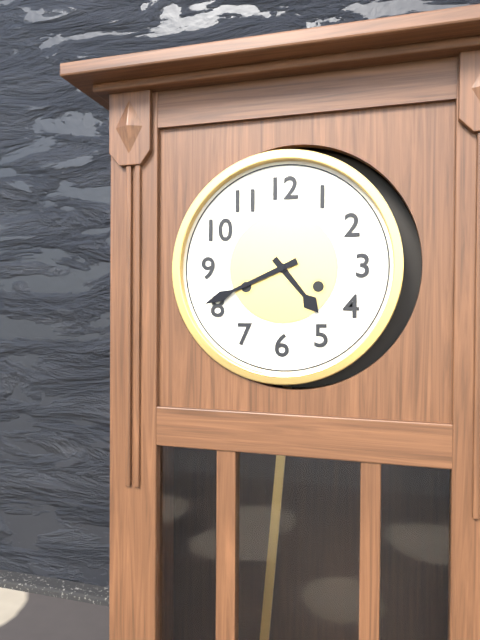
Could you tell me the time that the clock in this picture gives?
4:41
